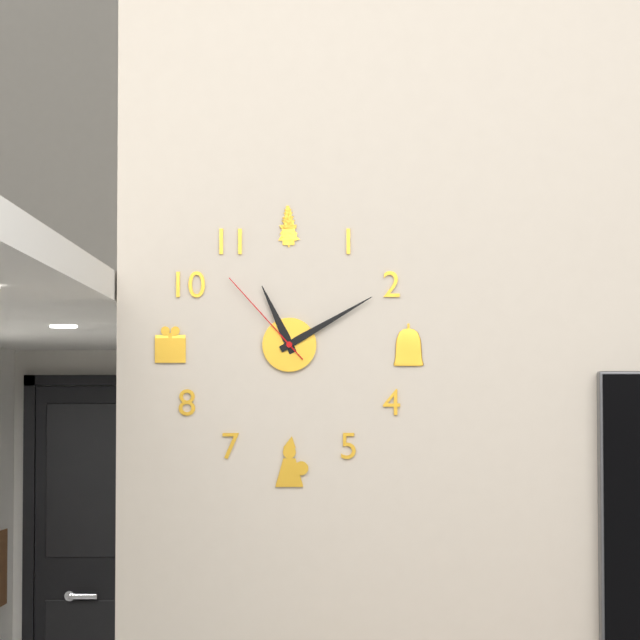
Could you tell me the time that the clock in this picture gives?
11:10:53
